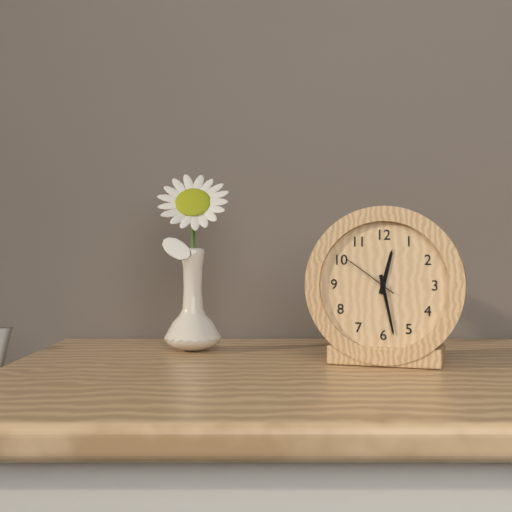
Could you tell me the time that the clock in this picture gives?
12:28:51
